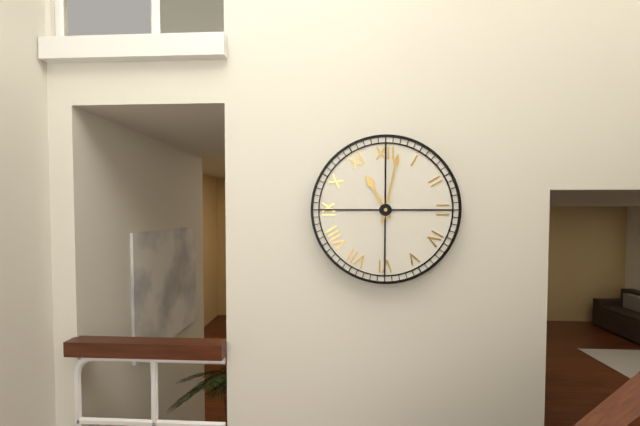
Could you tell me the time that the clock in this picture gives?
11:02
